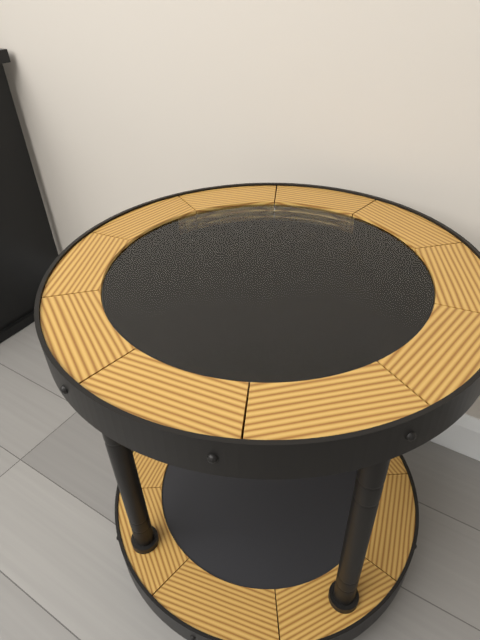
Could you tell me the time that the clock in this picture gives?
10:47
